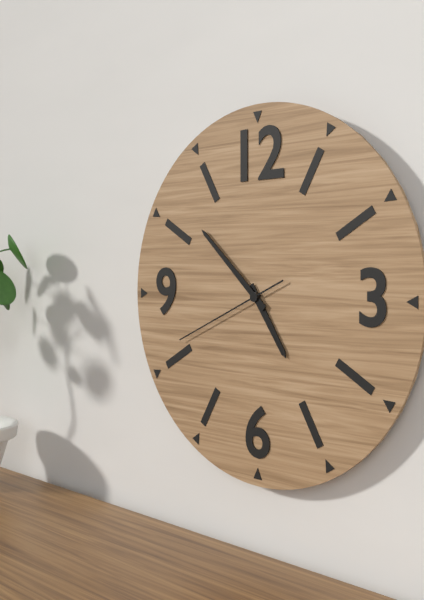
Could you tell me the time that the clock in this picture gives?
4:52:41
